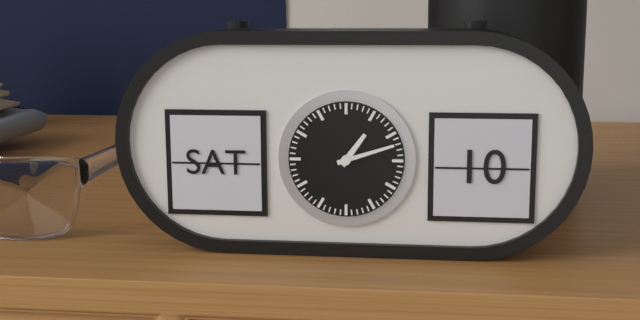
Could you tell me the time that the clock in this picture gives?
1:12
